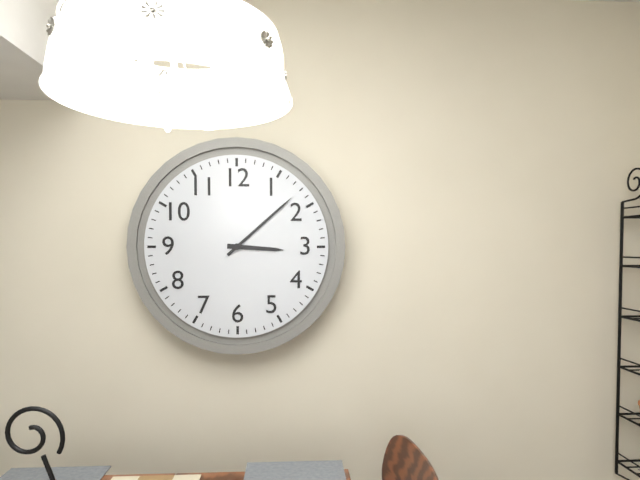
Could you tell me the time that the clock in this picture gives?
3:08
